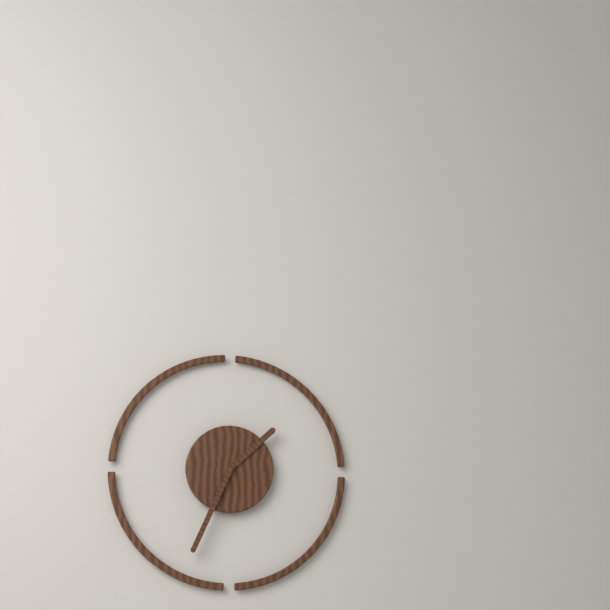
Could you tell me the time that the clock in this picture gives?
1:34
